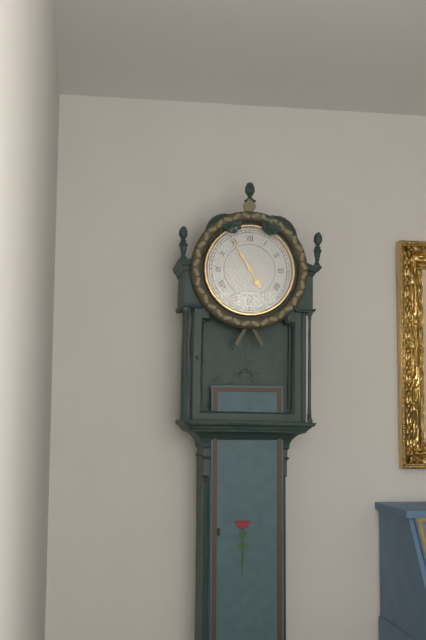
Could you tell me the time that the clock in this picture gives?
4:55
